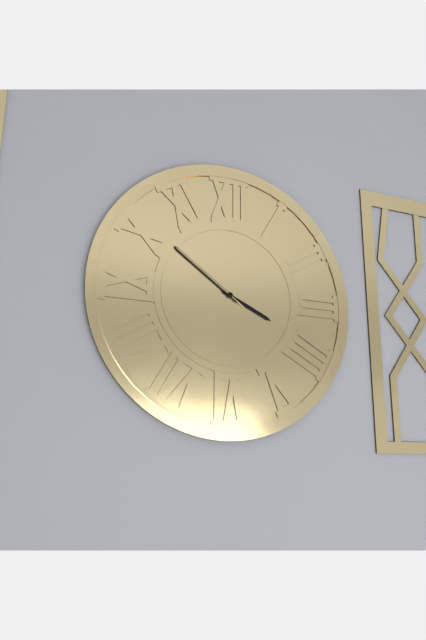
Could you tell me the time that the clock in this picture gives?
3:51:51
